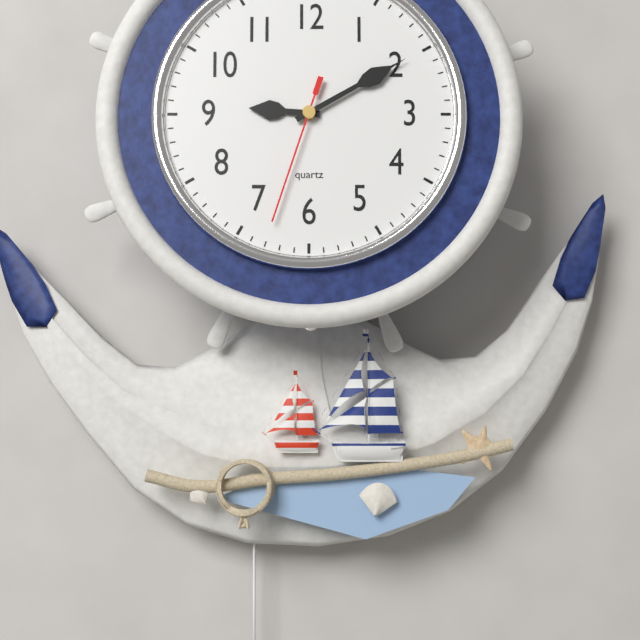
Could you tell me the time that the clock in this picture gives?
9:10:33
